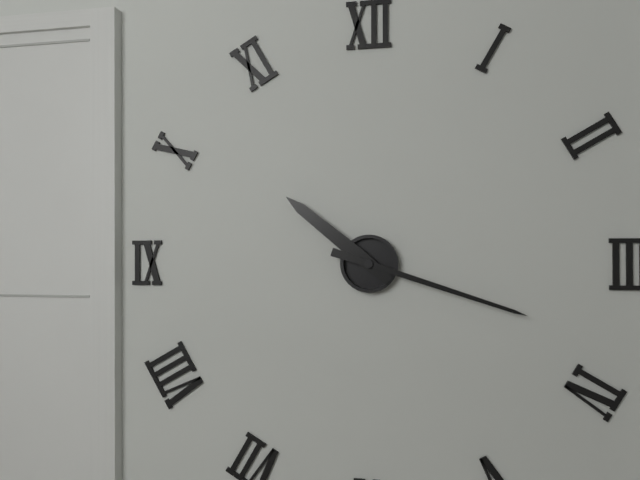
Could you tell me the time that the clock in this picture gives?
10:18
